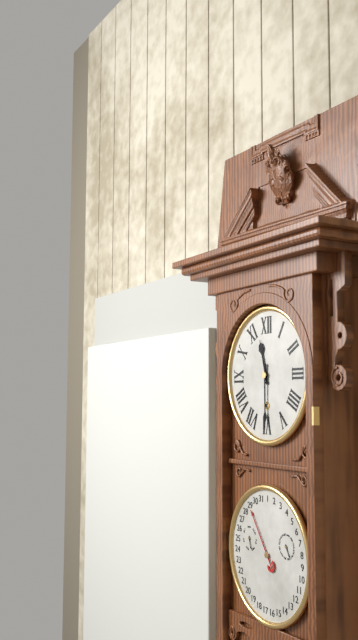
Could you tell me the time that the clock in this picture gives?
11:30
